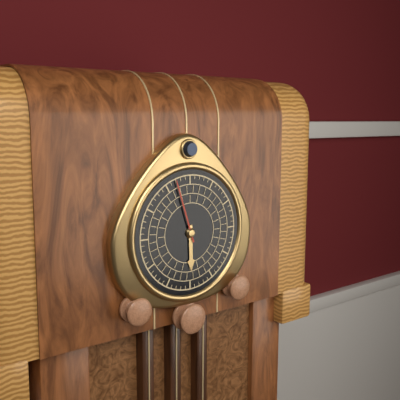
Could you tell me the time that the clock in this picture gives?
5:57
